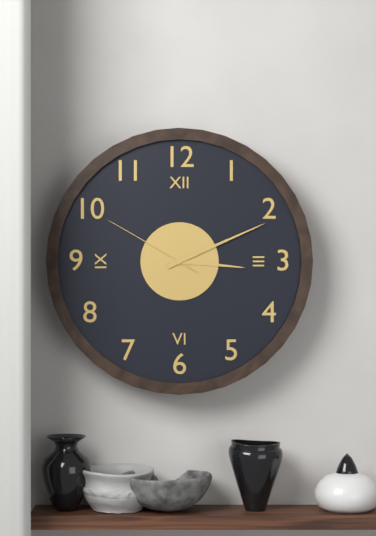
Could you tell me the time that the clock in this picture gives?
3:11:50
